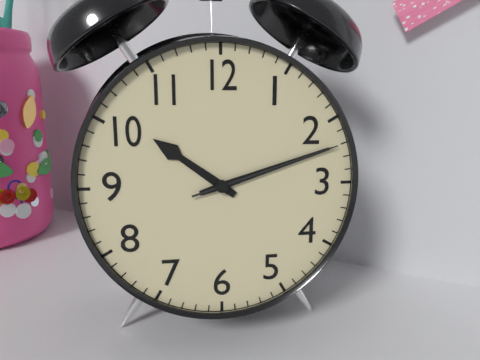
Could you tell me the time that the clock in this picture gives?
10:12:12
